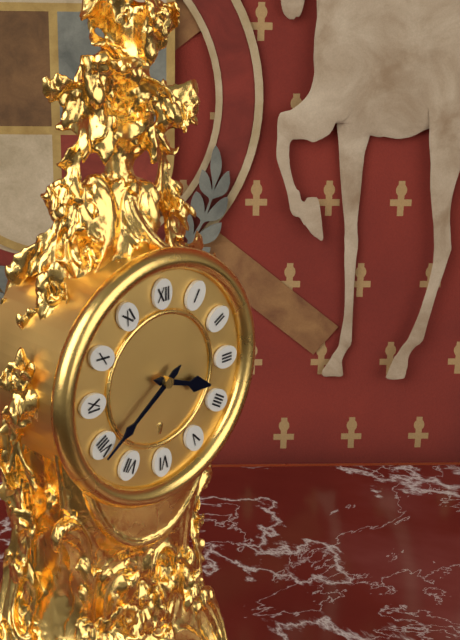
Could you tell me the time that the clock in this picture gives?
3:39
